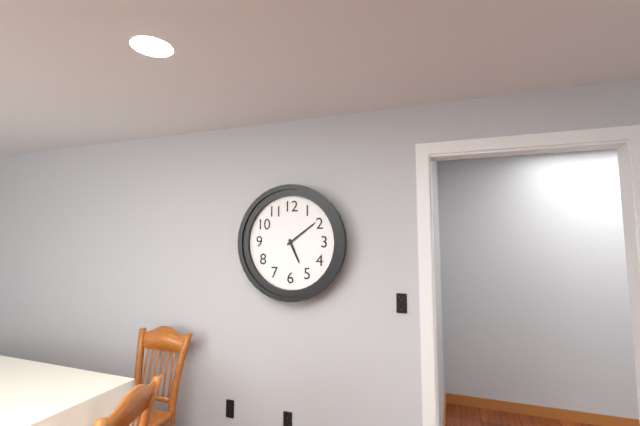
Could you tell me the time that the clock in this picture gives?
5:09
